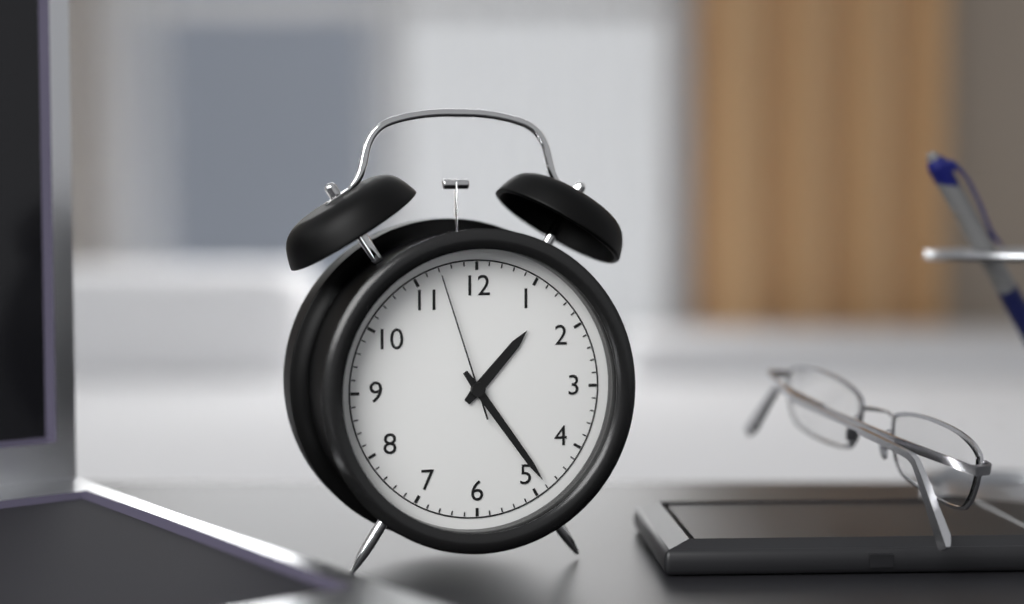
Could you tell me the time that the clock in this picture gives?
1:24:57
